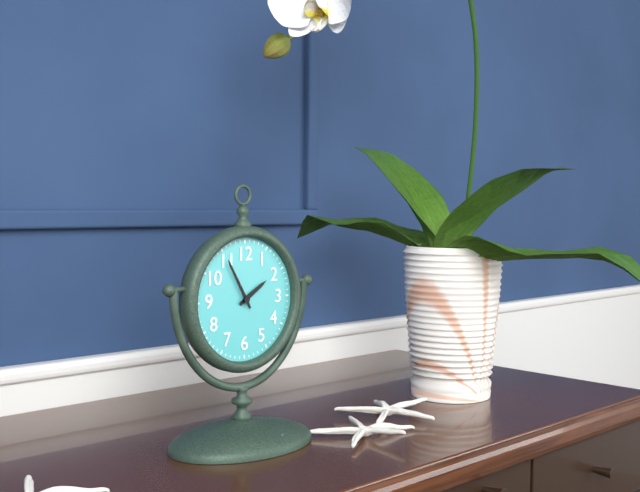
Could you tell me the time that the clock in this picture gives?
1:55
